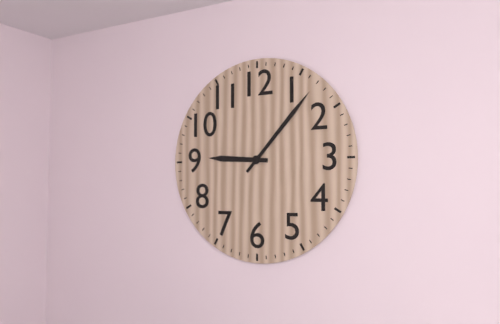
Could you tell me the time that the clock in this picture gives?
9:07
